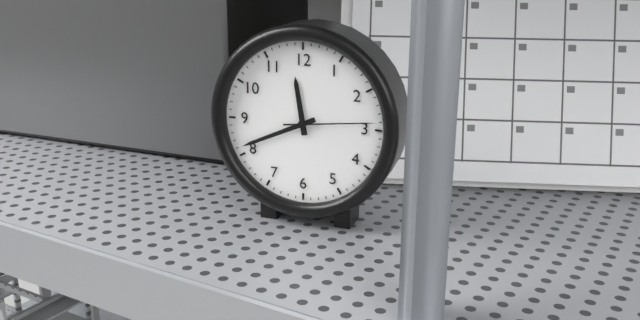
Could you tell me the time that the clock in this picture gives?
11:41:14
